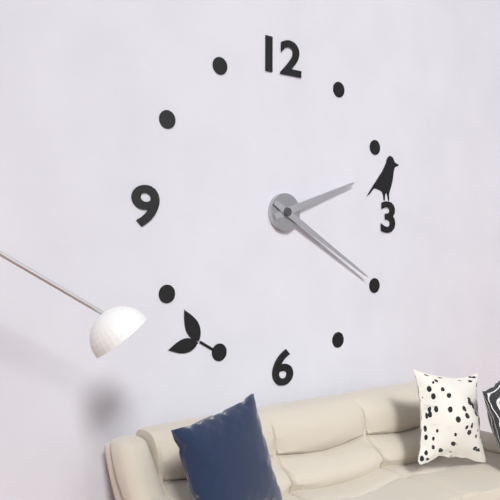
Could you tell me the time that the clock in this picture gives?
2:20
